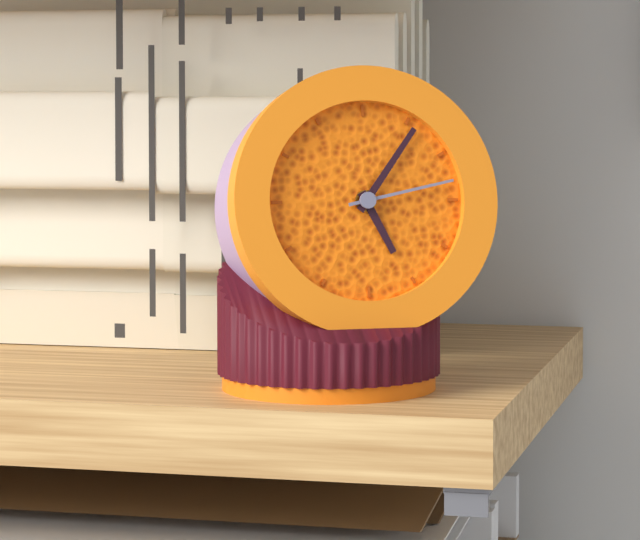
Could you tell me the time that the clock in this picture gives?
5:06:13
